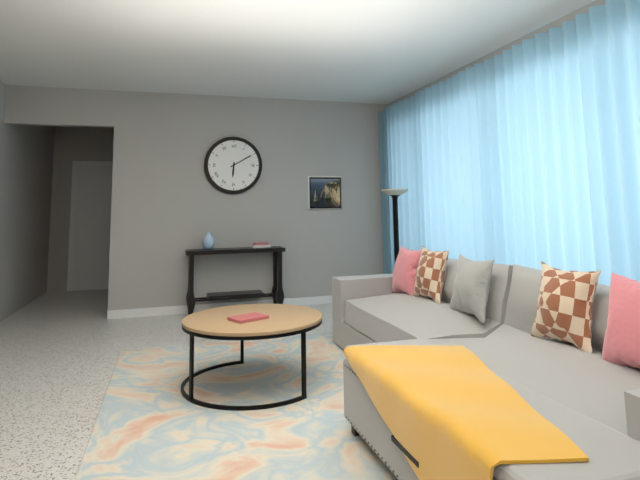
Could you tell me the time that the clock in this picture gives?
6:10
